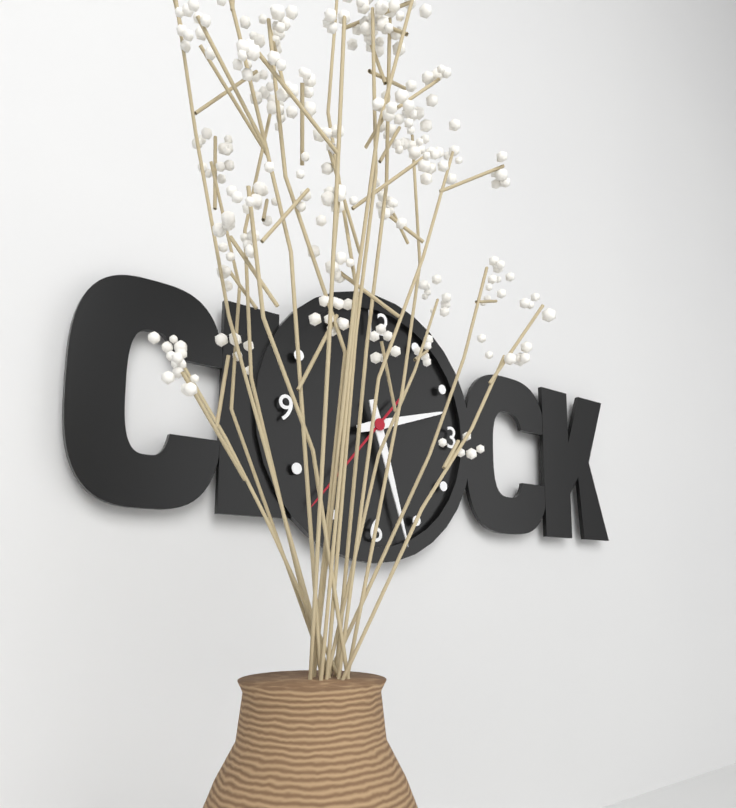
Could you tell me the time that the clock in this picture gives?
2:27
